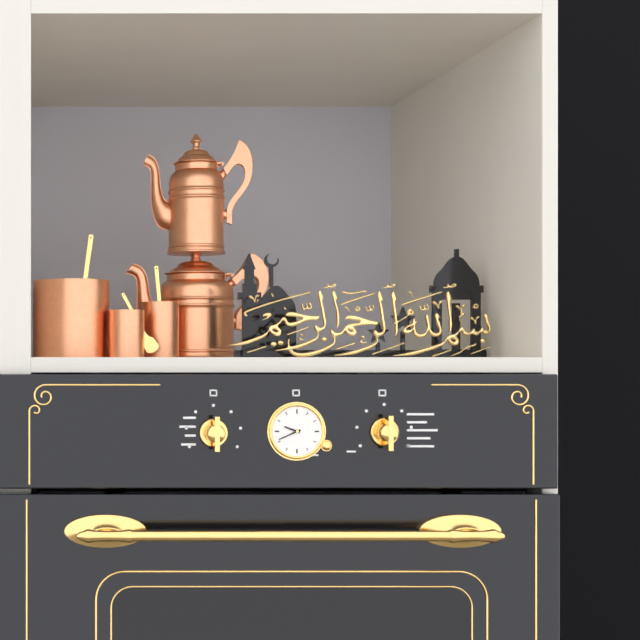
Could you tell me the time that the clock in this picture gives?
9:41
